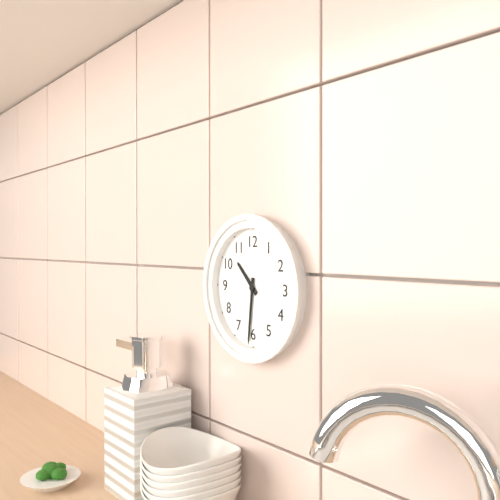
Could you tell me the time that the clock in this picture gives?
10:31
